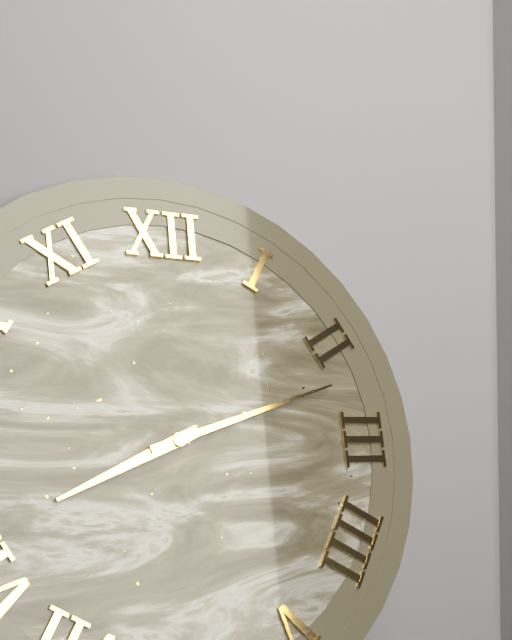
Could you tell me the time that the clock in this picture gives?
8:12
